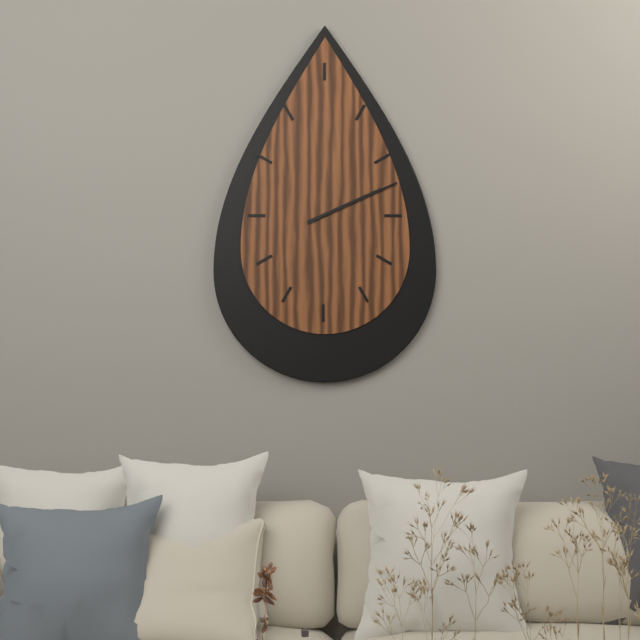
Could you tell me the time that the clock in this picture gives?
2:11
